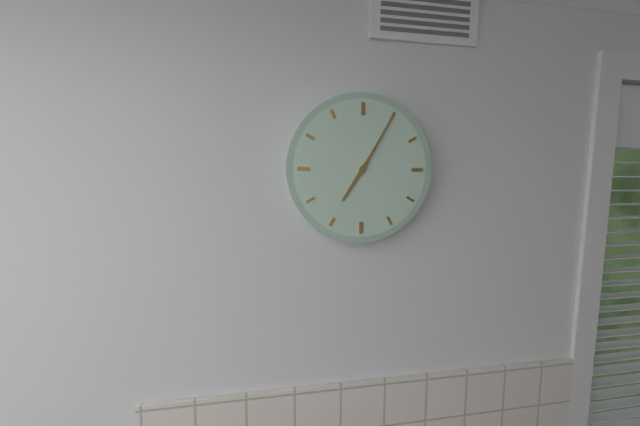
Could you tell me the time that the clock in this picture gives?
7:05
